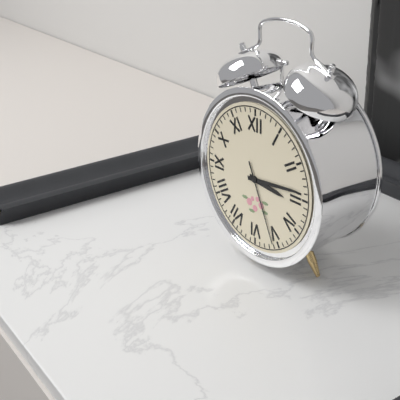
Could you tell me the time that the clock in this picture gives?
3:14:26
